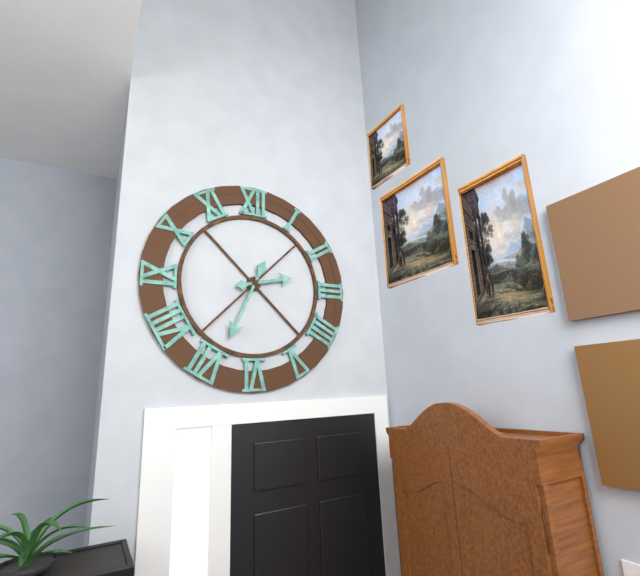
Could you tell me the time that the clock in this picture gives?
2:34
